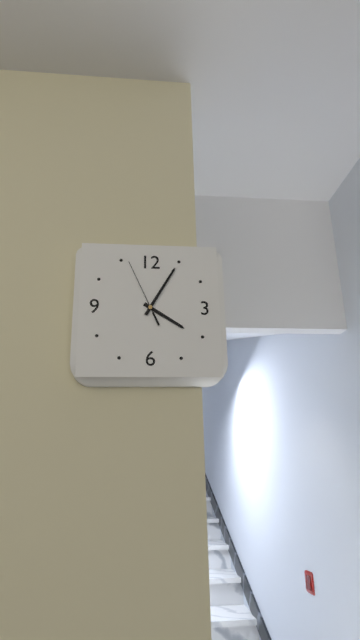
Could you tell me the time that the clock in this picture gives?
4:05:56
